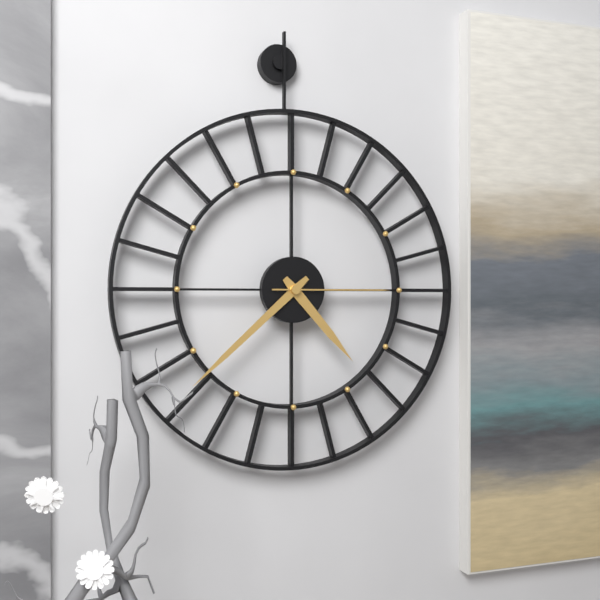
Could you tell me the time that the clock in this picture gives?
4:38:15
